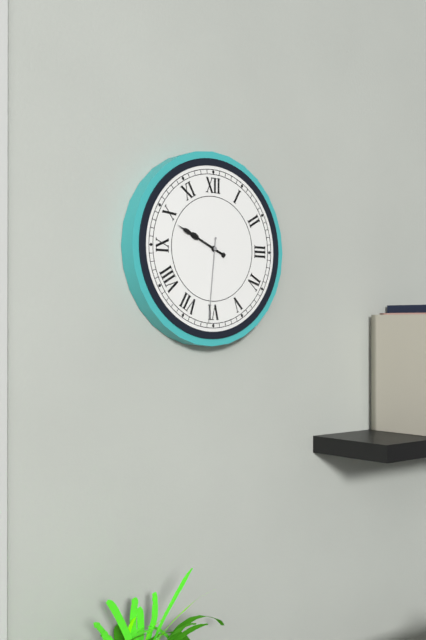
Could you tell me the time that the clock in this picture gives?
9:49:31
